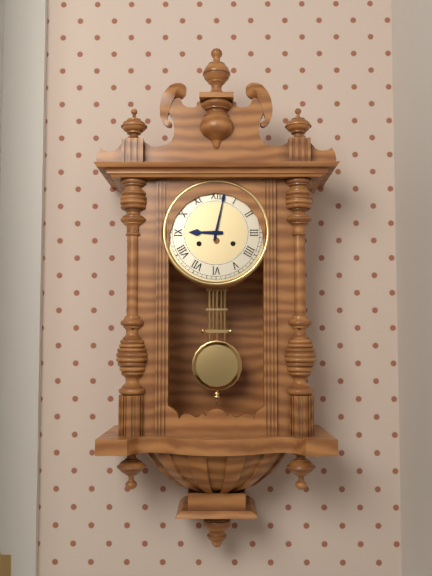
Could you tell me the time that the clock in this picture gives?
9:02
